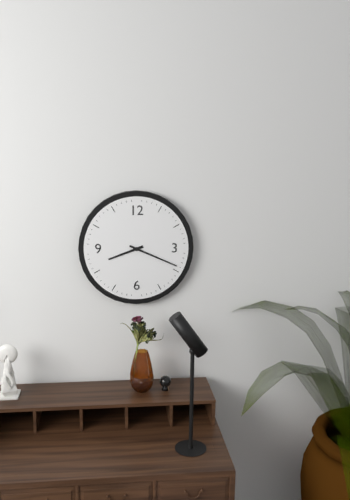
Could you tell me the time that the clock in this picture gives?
8:19
